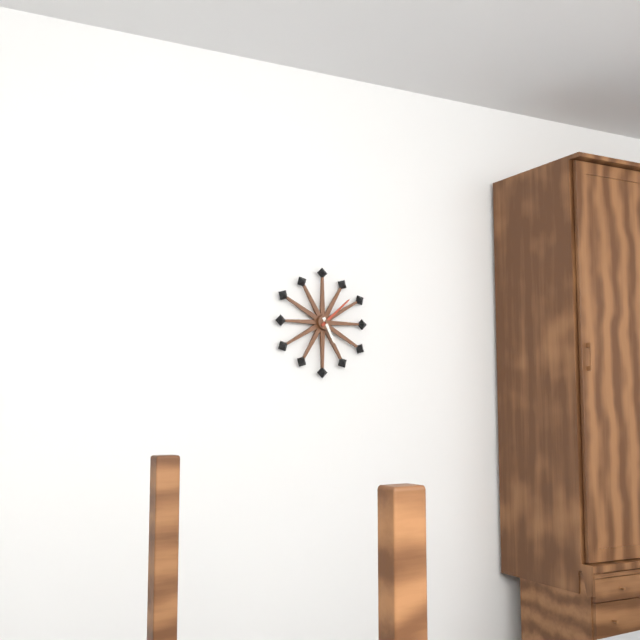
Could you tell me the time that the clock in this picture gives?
5:08
